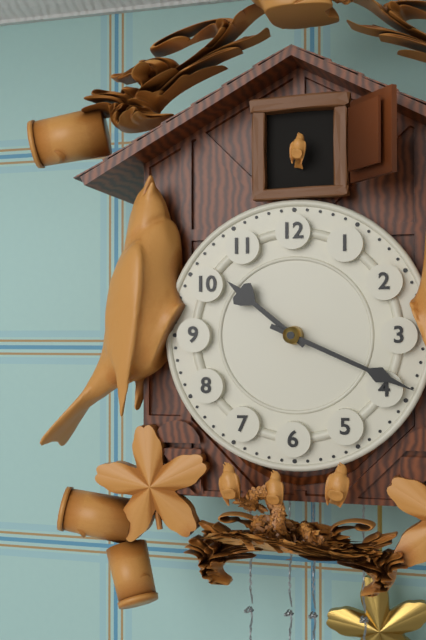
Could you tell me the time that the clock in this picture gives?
10:19
